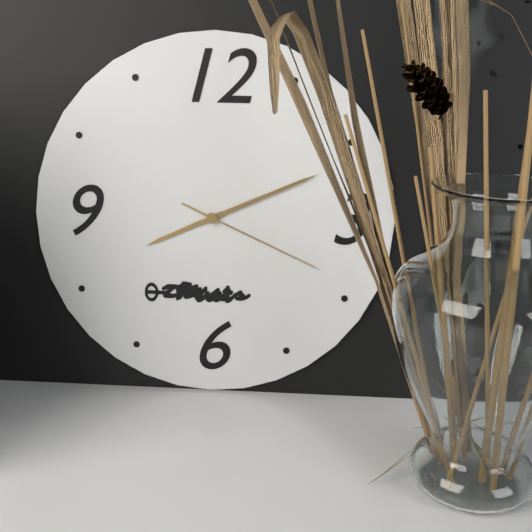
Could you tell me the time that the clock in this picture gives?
8:11:19
